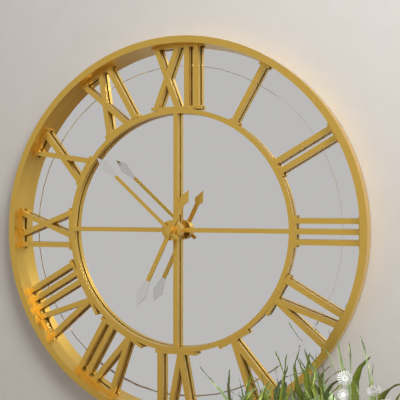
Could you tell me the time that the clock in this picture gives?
6:52
